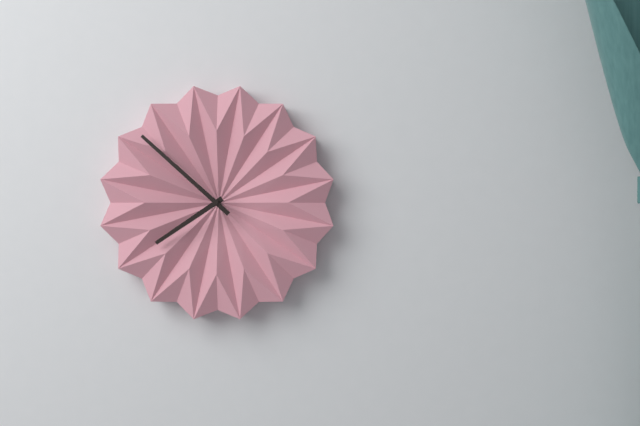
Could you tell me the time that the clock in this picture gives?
7:52
